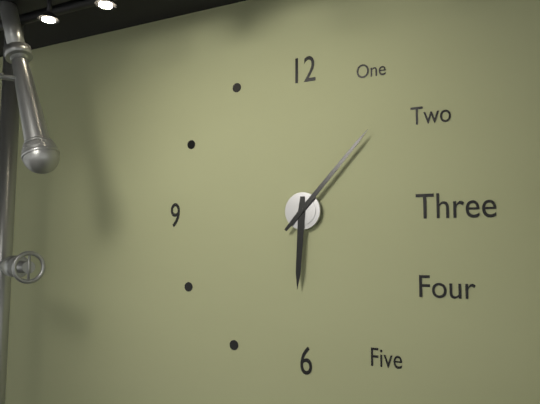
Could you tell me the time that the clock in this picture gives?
6:07
